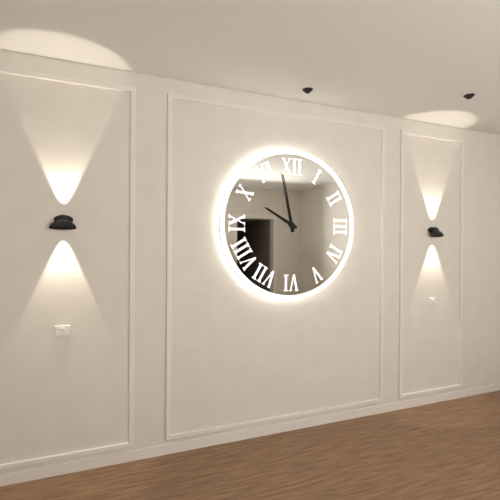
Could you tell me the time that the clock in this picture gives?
9:58
